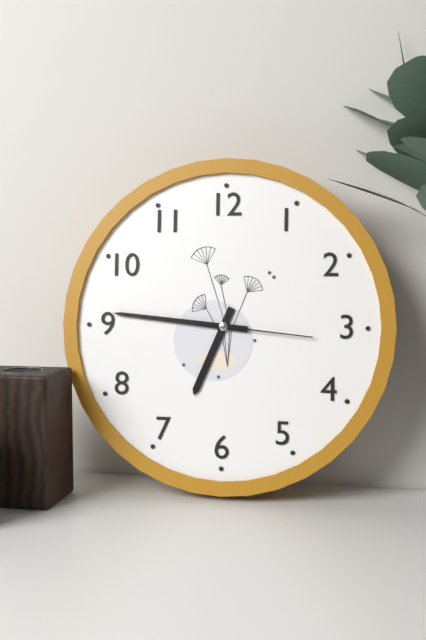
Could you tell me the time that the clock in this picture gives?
6:46:16
